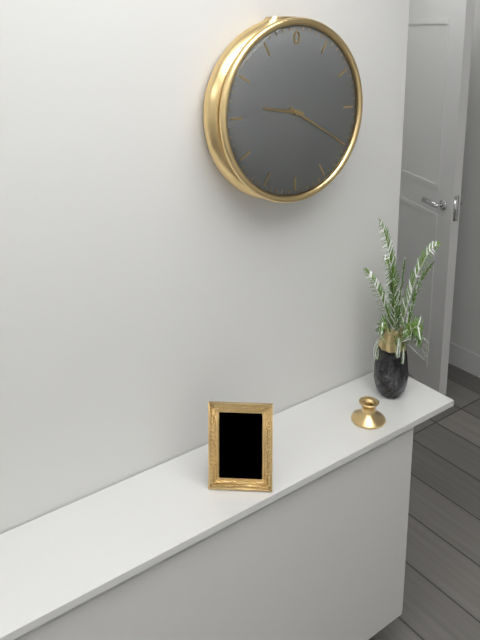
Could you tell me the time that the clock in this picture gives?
9:20
